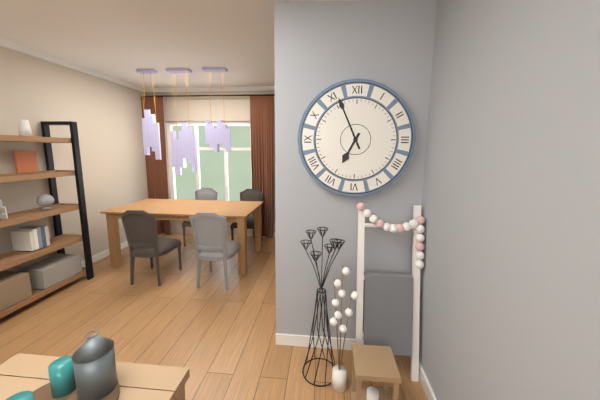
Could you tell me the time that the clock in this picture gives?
6:56
